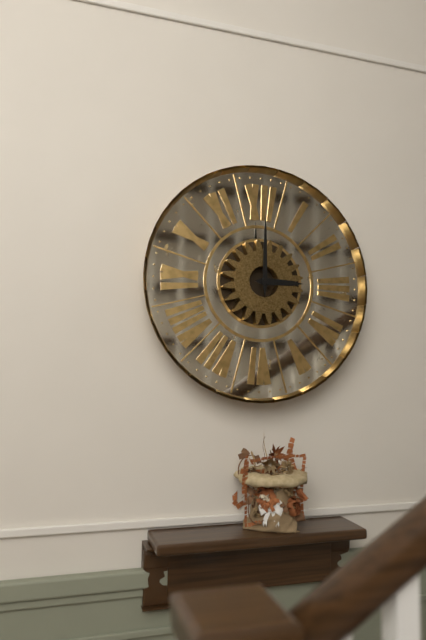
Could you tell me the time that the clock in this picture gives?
3:00
